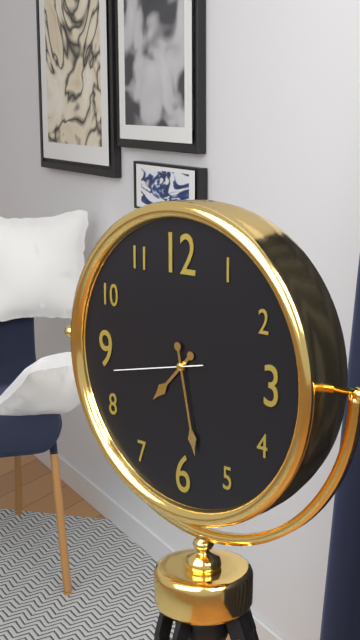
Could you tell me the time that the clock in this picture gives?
7:28:43
